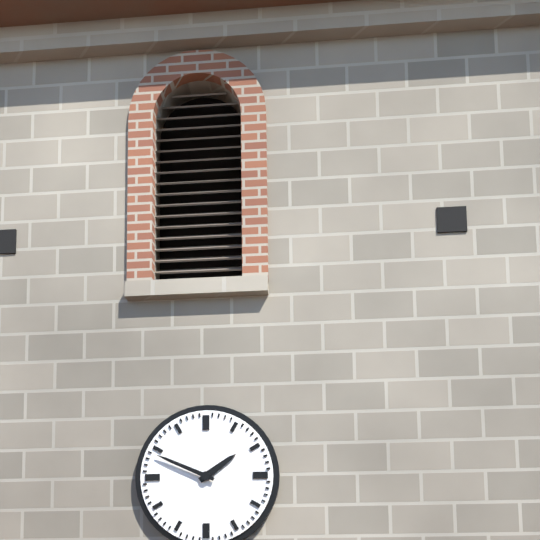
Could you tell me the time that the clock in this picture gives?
1:49
